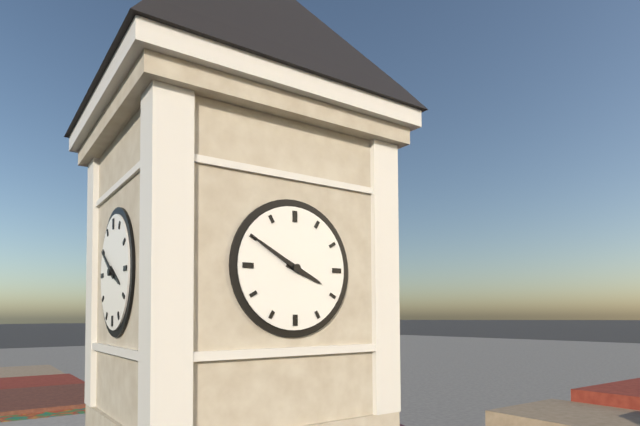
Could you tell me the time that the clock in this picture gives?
3:50
